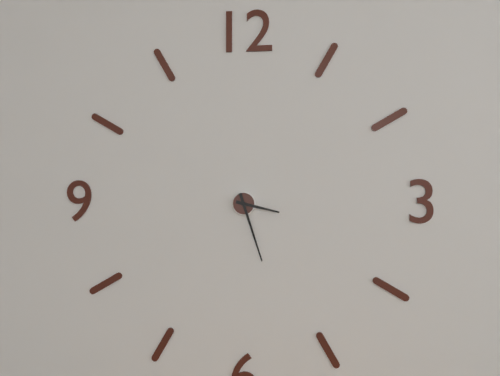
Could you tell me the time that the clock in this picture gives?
3:27
